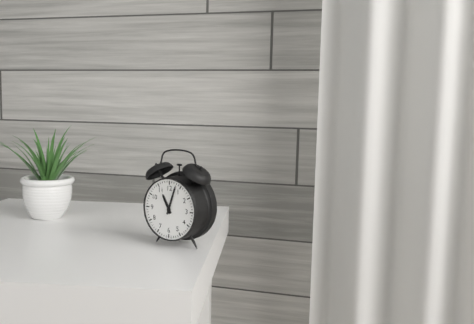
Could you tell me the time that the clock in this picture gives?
11:03
